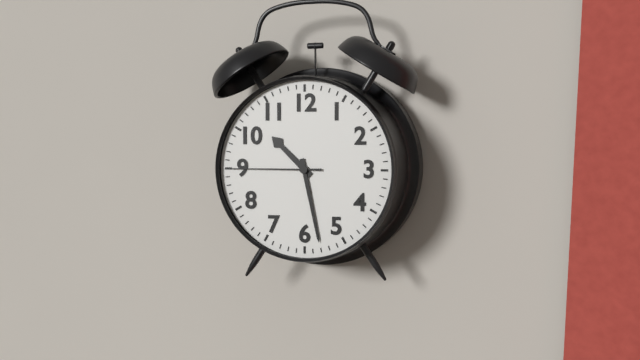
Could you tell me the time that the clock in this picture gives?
10:28:45
